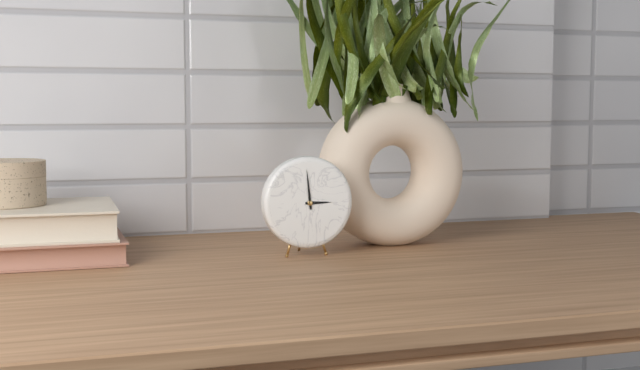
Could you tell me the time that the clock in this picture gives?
2:59
